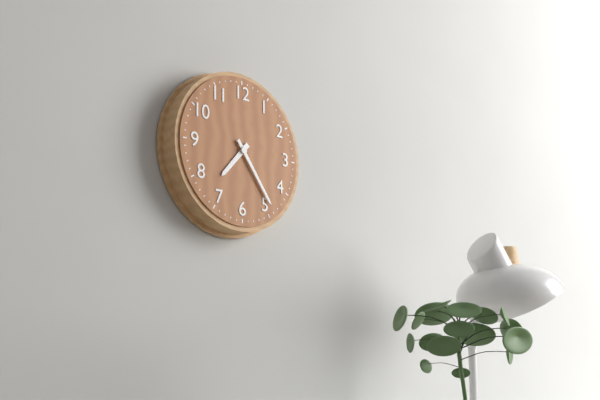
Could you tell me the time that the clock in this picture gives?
7:24
